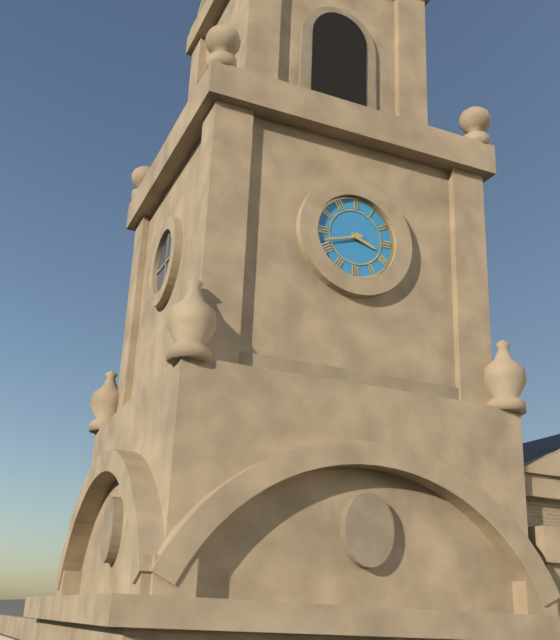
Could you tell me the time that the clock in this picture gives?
3:42
